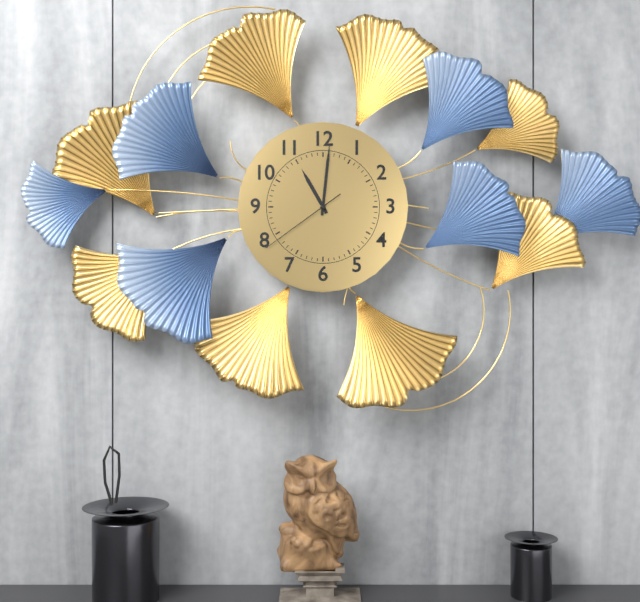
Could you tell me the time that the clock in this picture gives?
11:01:39
